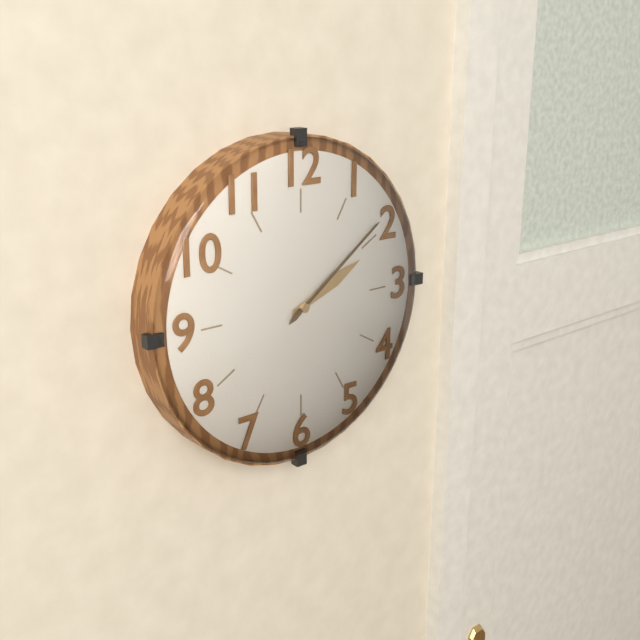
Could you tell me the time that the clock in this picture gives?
2:09
